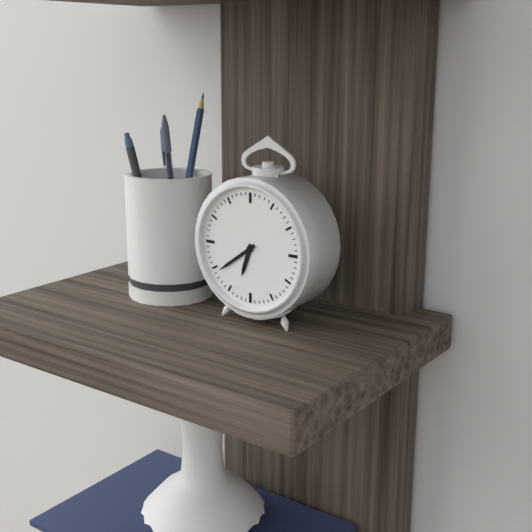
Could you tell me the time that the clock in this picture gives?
6:39
